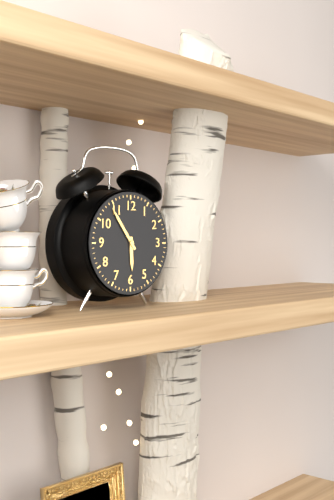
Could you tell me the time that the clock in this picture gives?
5:54
